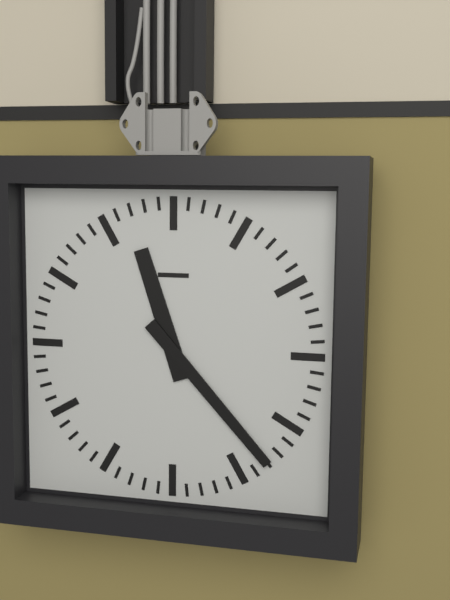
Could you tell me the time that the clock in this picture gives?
11:23
